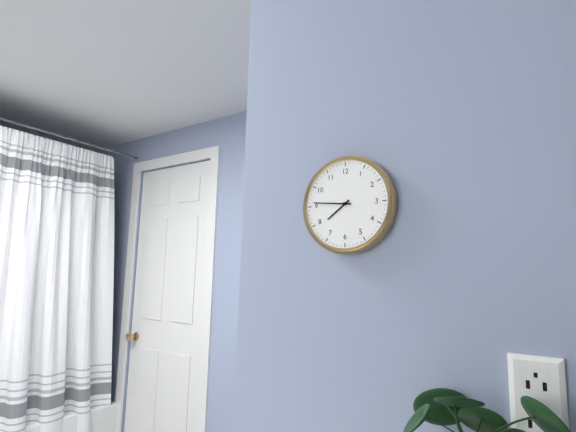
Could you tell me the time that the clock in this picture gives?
7:46
